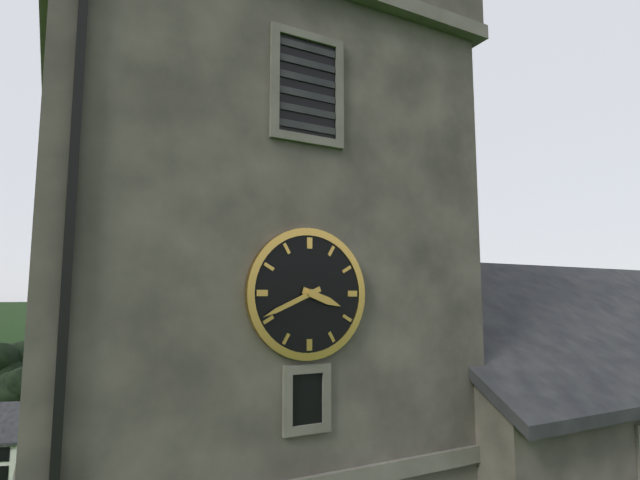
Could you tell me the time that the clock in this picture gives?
3:41
